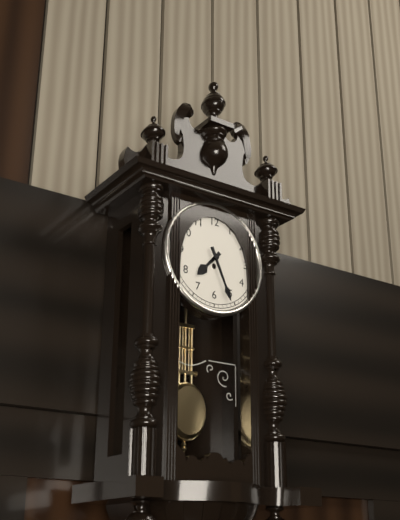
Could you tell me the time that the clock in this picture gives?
7:26
